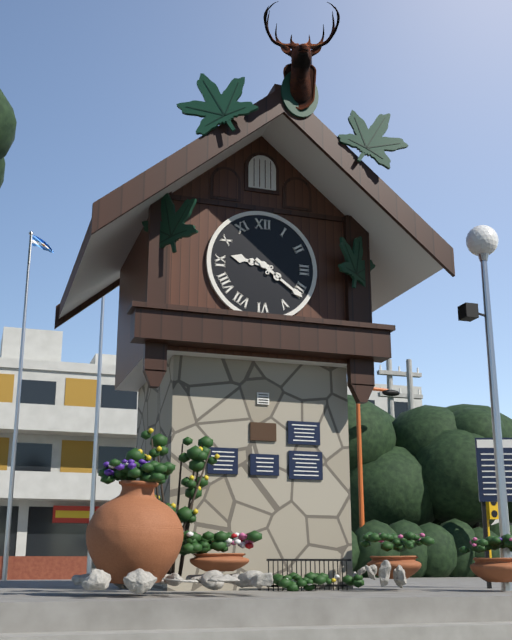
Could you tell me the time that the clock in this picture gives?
9:21
